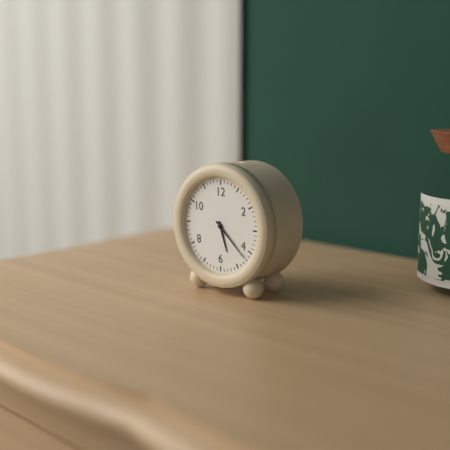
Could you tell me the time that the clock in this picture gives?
5:22
